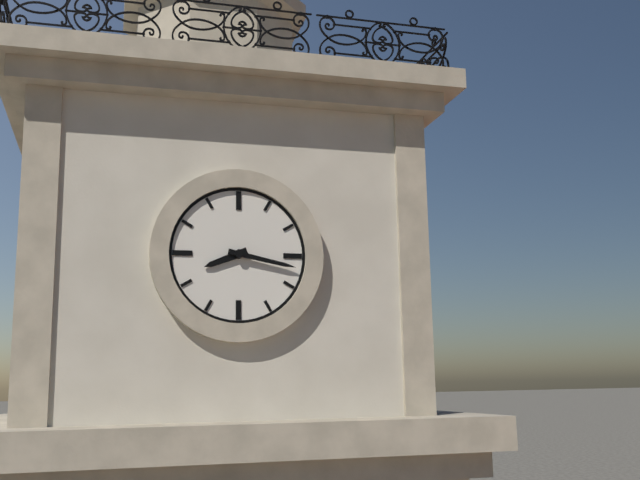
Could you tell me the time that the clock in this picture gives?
8:17
